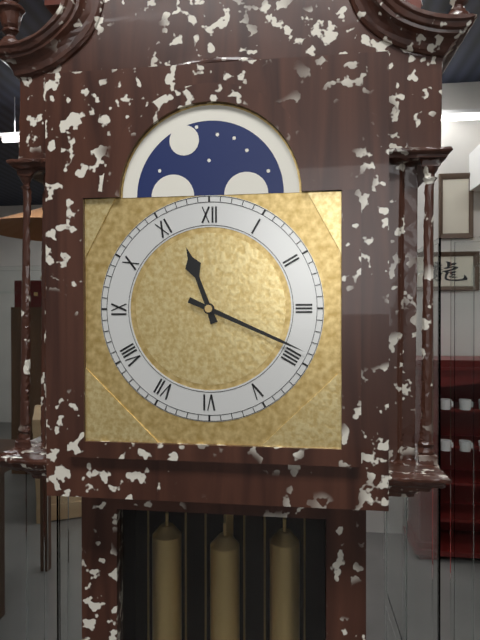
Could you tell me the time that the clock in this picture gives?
11:19
